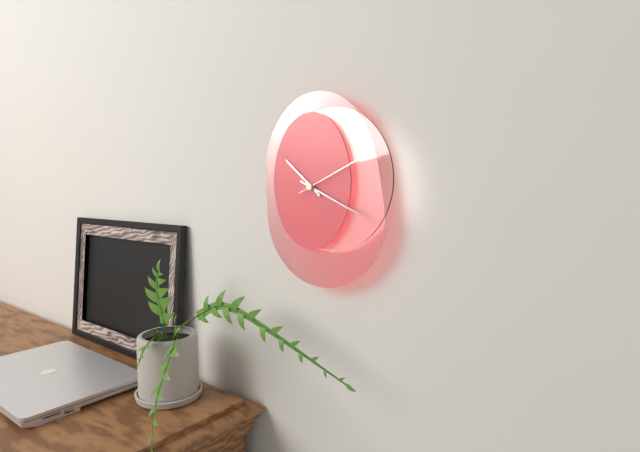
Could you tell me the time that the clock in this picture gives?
10:19:11
